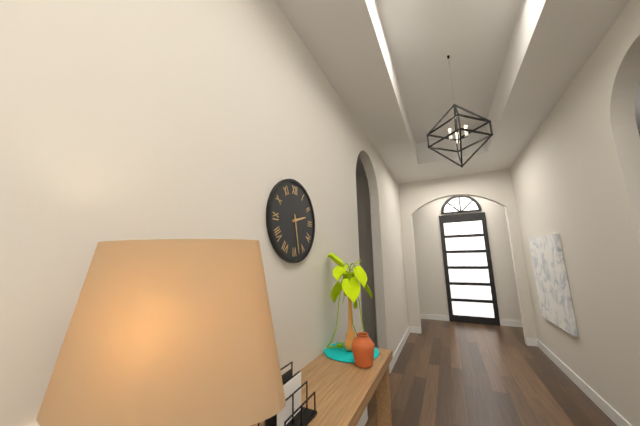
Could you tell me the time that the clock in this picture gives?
2:28
